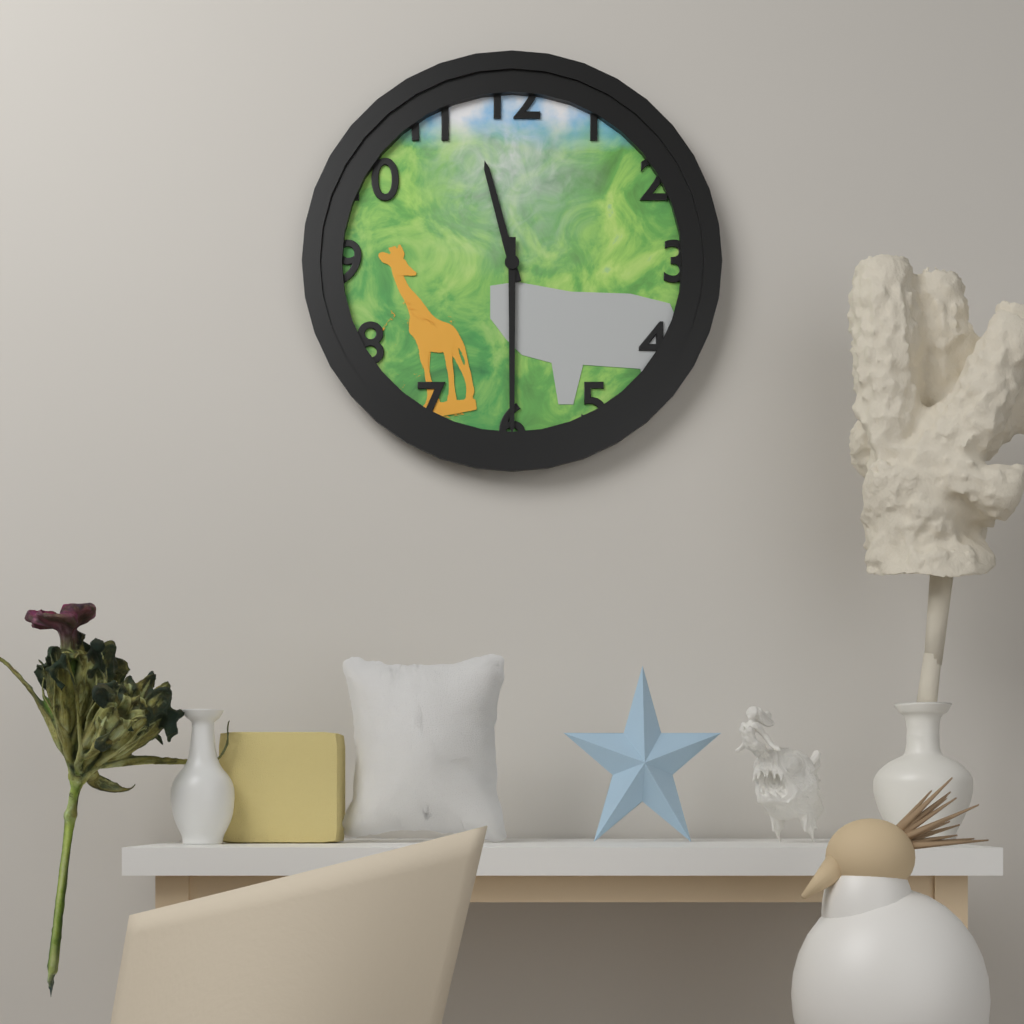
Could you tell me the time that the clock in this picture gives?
11:30
